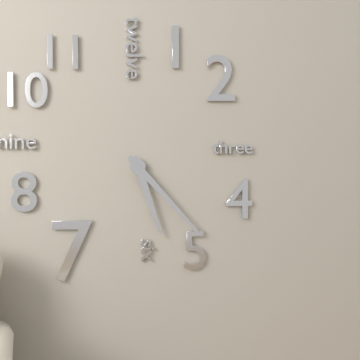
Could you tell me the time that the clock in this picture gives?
5:23
